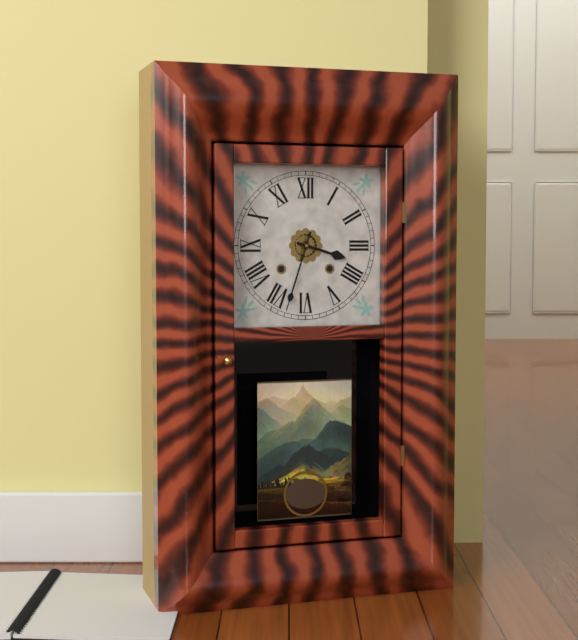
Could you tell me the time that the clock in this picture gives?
3:33
